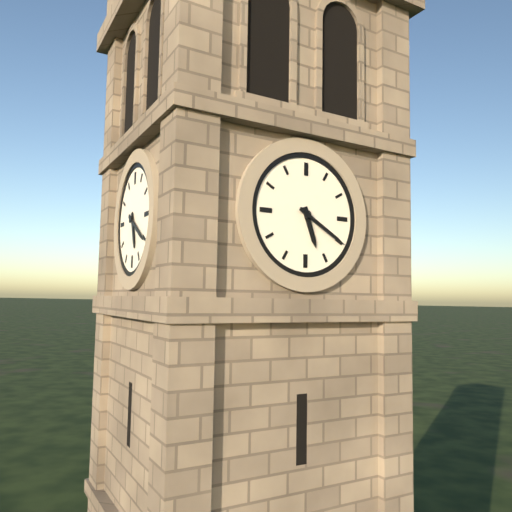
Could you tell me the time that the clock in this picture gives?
5:20
